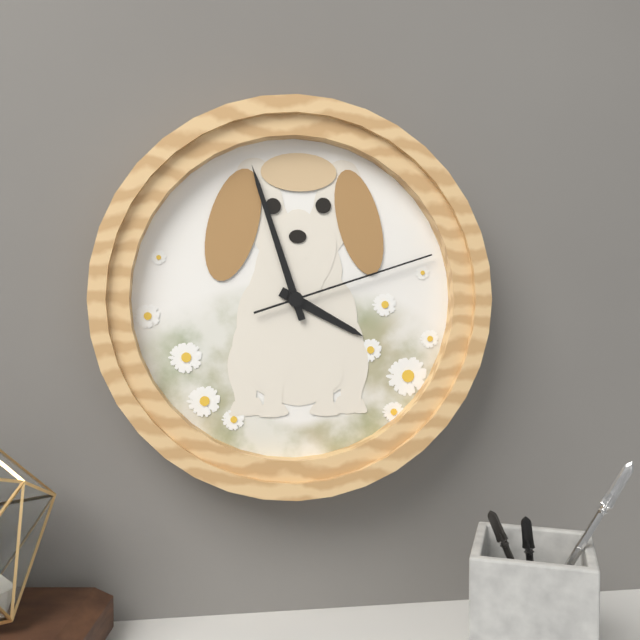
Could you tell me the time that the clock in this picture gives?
3:57:12
